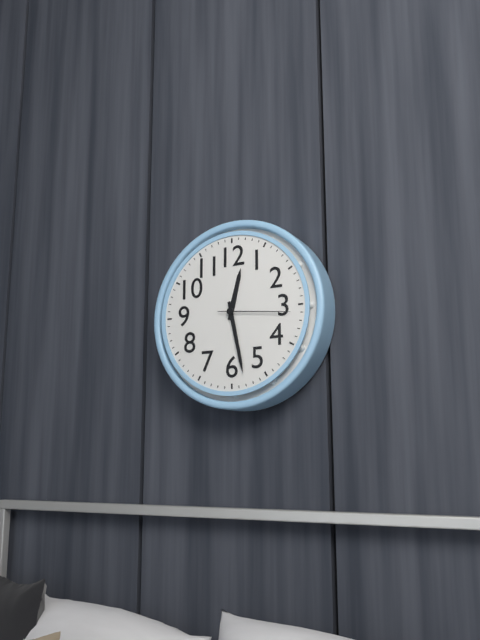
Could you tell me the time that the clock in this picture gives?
12:28:16
